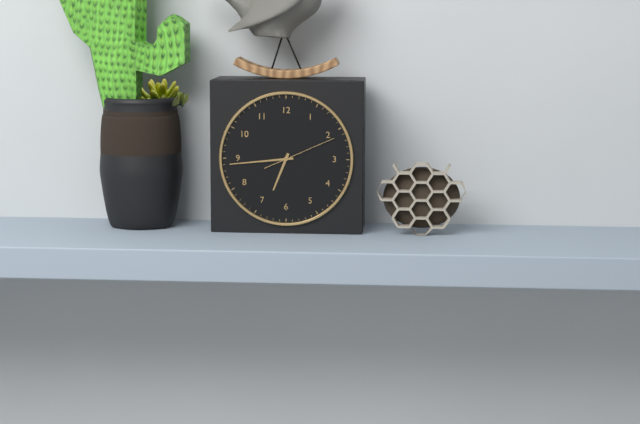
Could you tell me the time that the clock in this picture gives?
6:44:11
